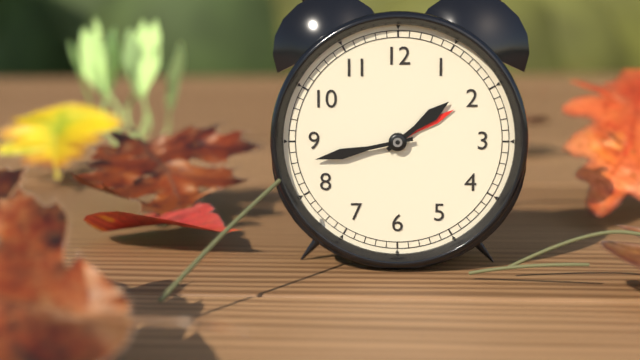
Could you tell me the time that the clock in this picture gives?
1:43
